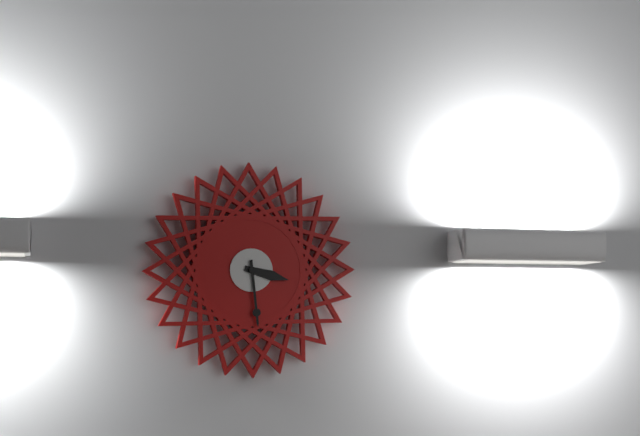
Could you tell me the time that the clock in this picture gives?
3:29
